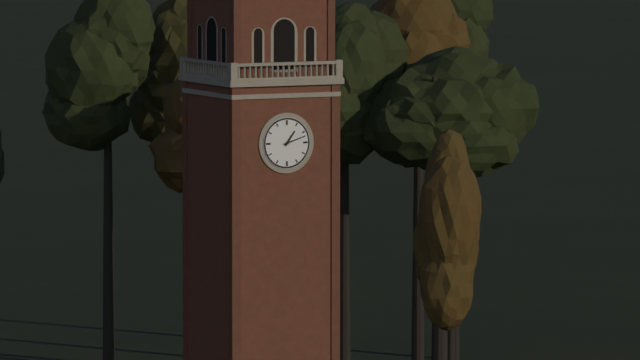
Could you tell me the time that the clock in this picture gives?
1:12
